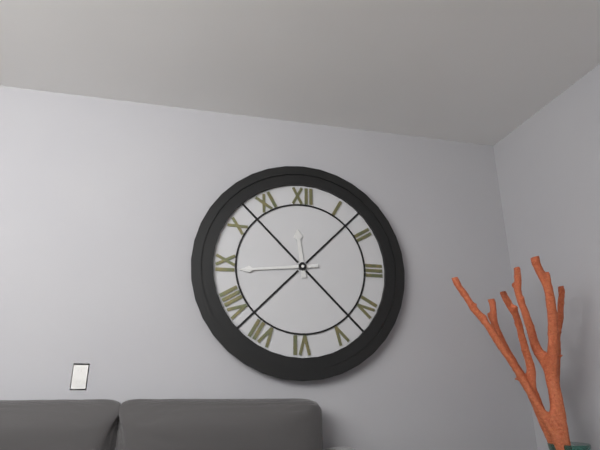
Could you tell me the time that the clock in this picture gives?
11:44
